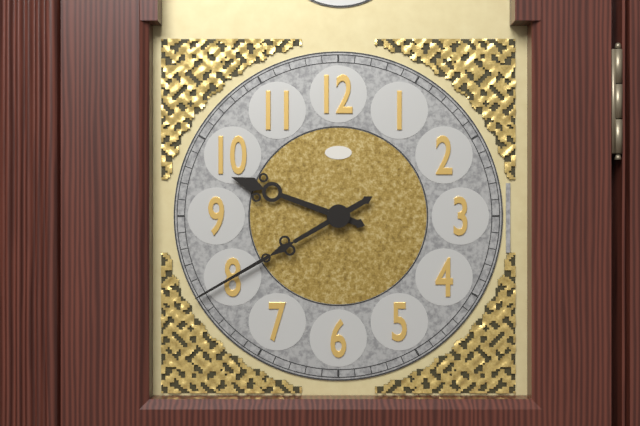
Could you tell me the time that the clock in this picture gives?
9:40
